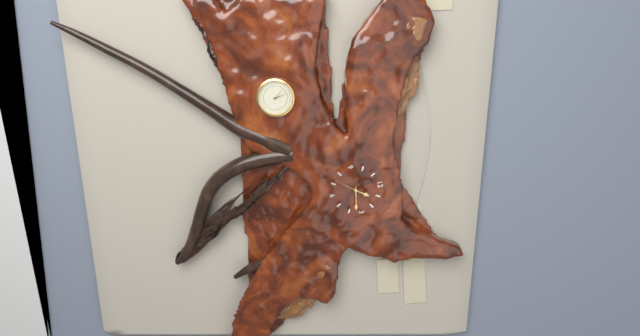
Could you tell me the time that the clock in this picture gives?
1:17
